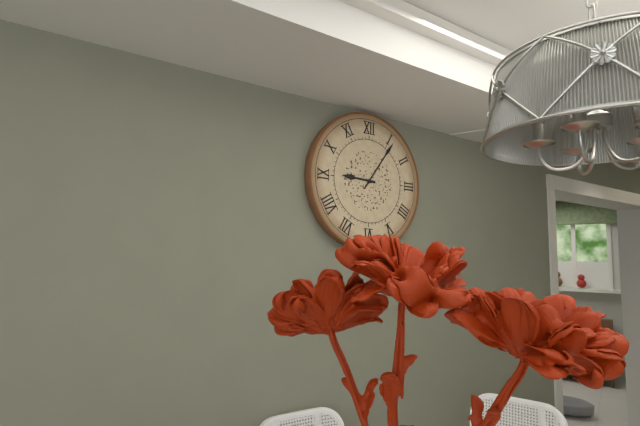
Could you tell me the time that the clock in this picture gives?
9:06
